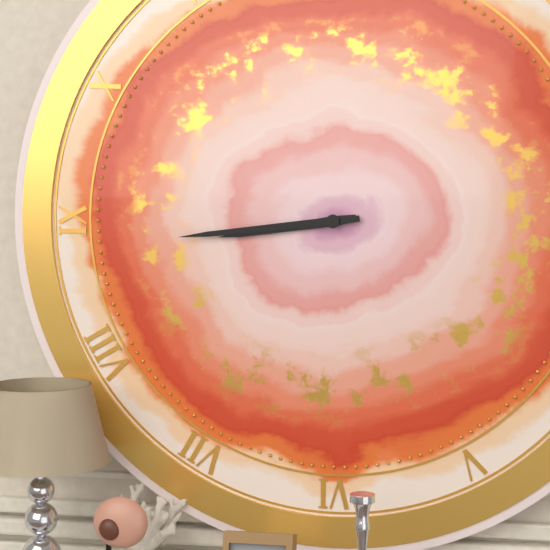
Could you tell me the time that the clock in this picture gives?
8:44
